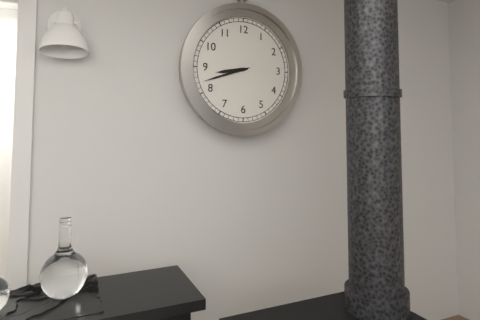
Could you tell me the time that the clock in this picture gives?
8:42
